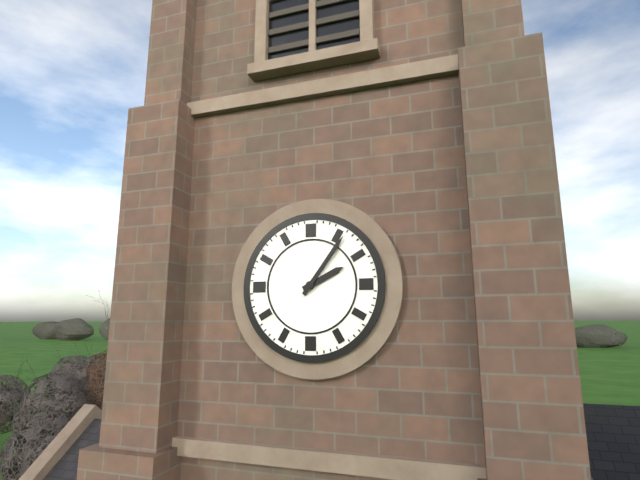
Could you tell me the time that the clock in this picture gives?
2:06
